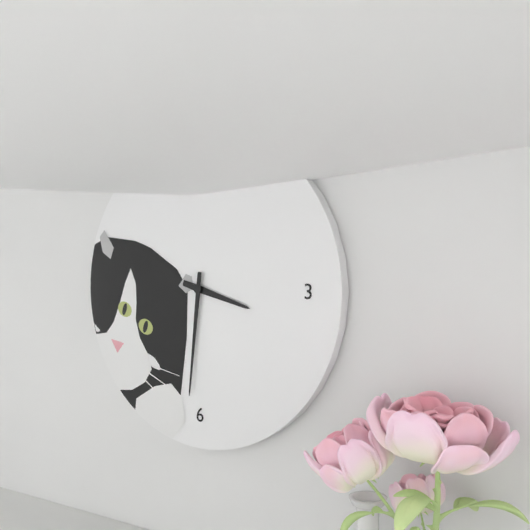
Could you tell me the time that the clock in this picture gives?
3:31
